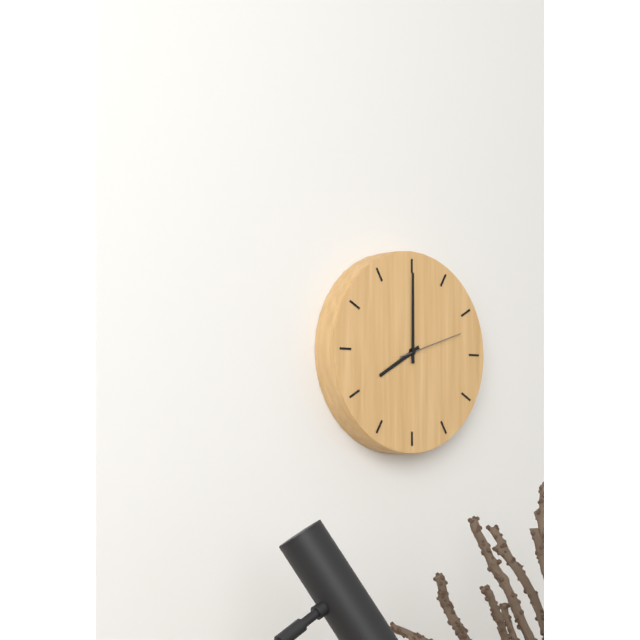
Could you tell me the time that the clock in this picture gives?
8:00:12
